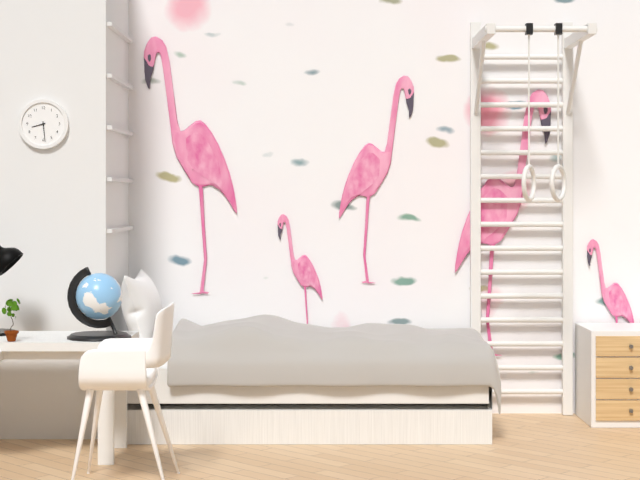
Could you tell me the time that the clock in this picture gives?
8:29
